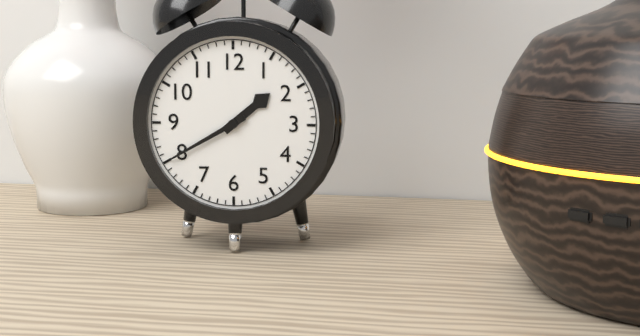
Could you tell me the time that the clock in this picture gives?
1:40
